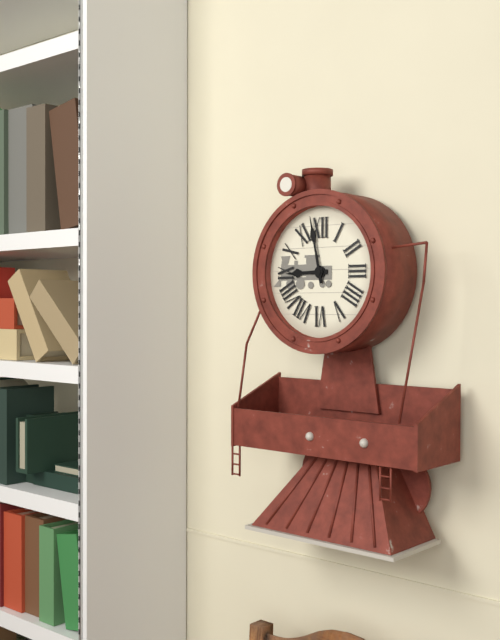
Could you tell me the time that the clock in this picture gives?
8:58
